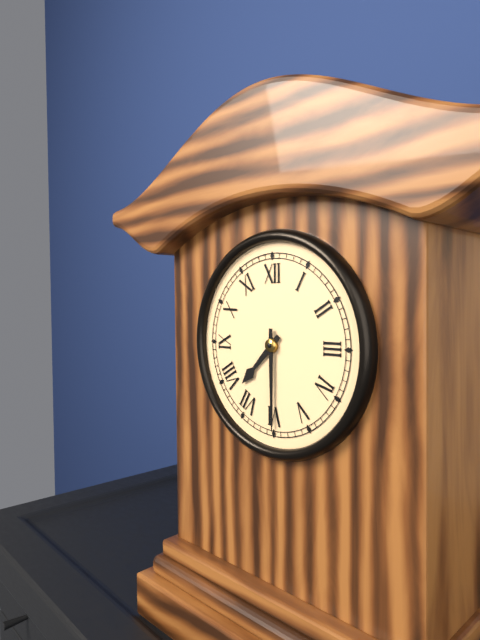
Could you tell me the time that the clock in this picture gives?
7:30
